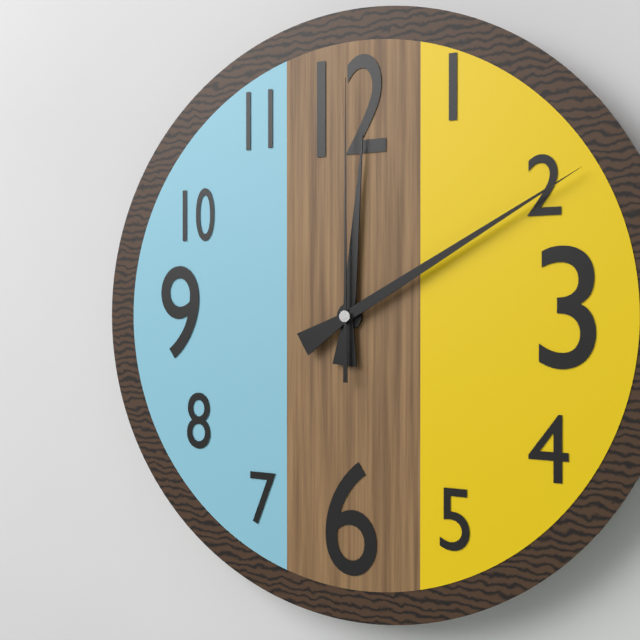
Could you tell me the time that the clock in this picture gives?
12:10:00
